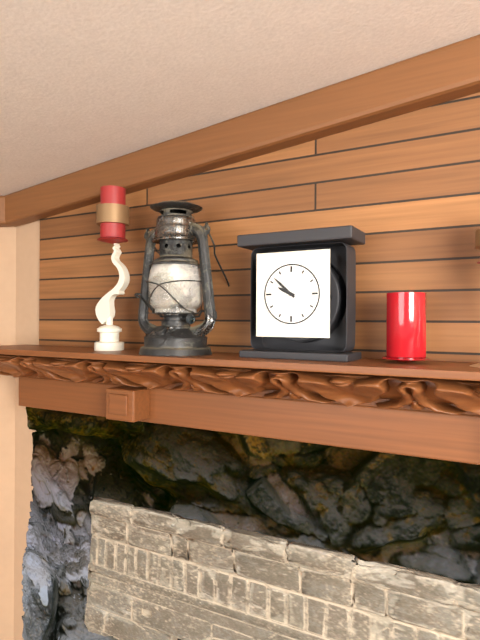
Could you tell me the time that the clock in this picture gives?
9:52
